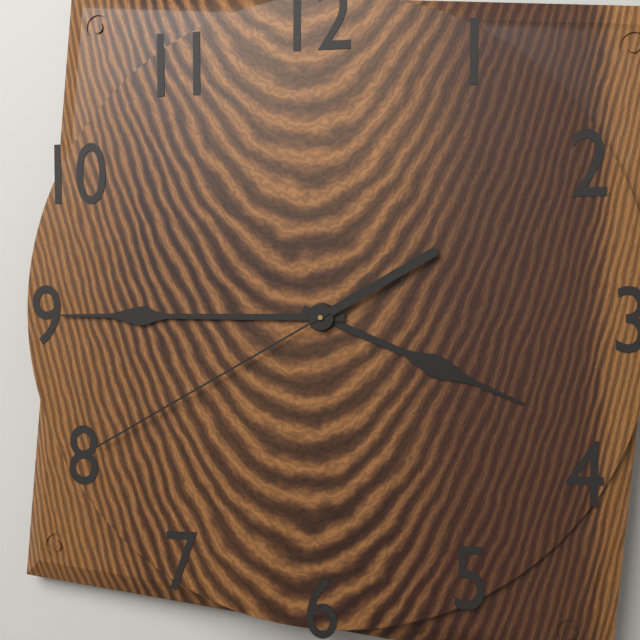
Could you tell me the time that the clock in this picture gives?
3:45:40
